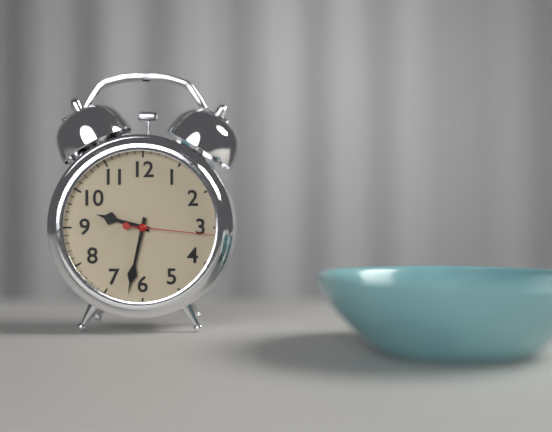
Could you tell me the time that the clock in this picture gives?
9:32:16
